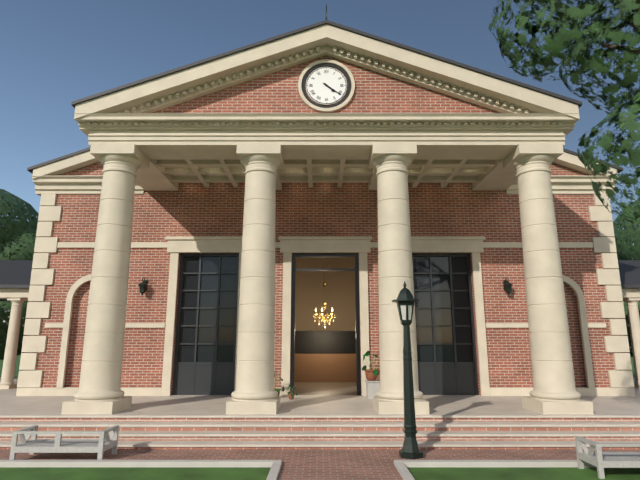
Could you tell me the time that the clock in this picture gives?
4:21
